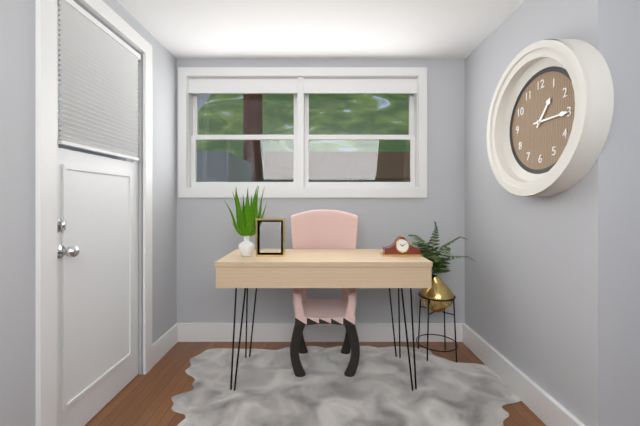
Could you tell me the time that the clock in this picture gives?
1:15
